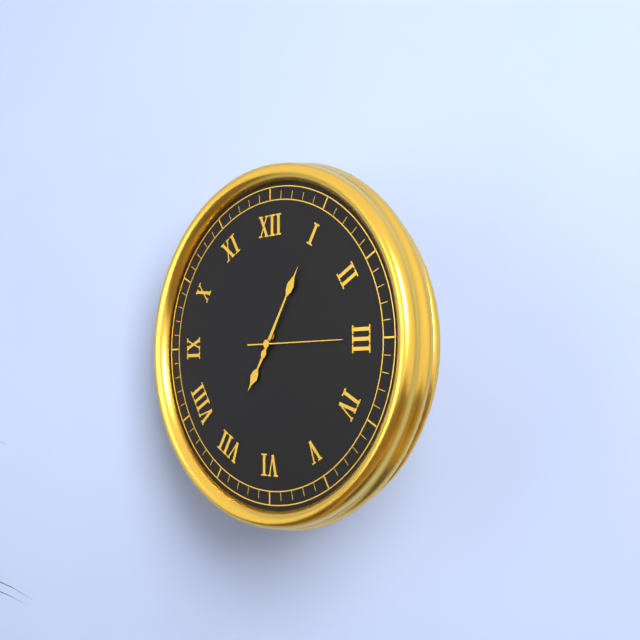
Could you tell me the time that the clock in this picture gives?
7:05:15
